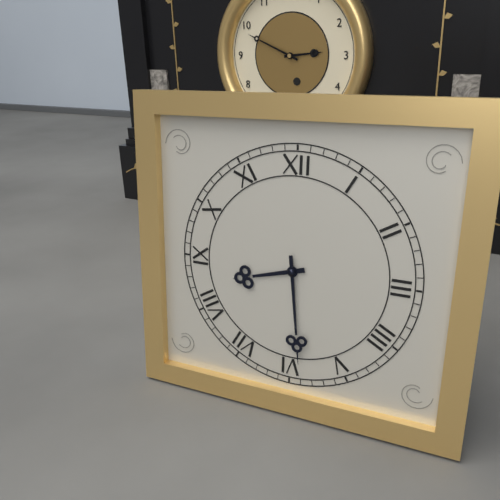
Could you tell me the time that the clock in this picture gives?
8:29
